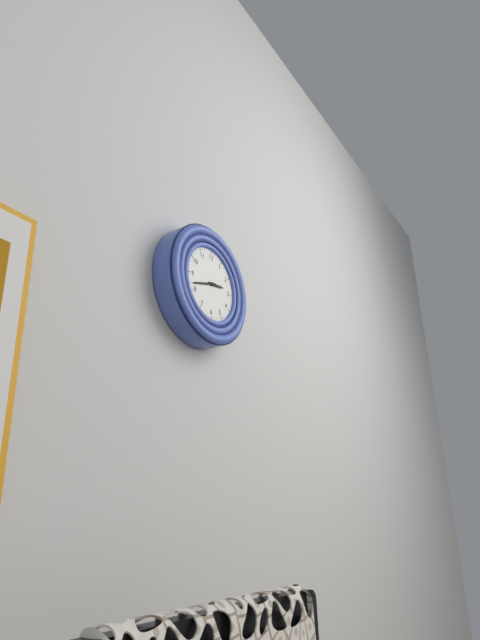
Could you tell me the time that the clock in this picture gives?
2:42
